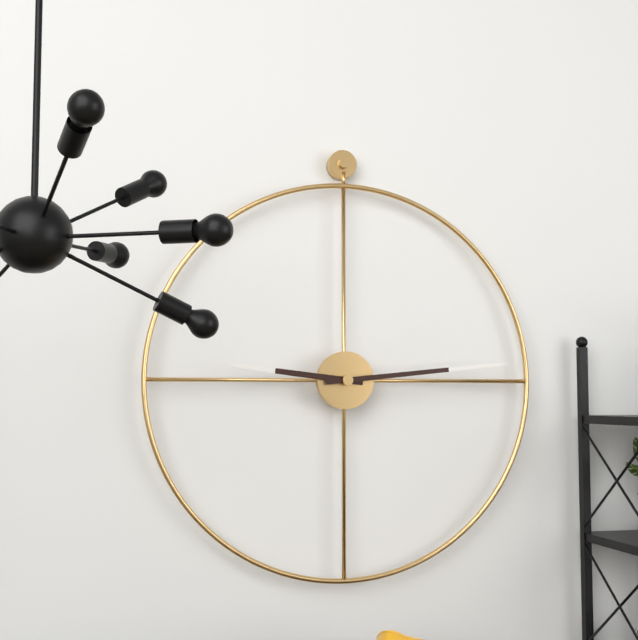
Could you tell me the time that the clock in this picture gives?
9:14
